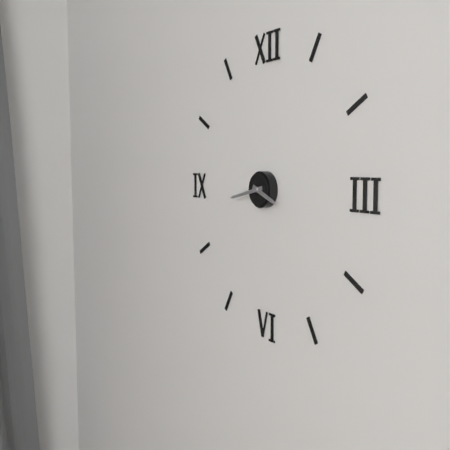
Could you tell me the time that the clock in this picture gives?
3:43
